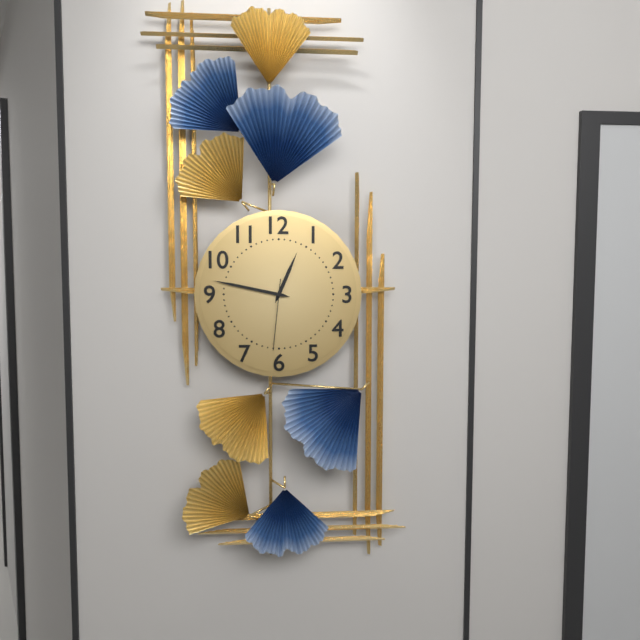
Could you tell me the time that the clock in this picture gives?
12:47:31
